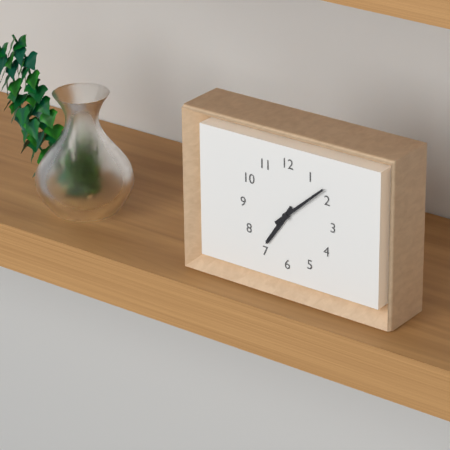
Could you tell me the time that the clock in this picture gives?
7:08
